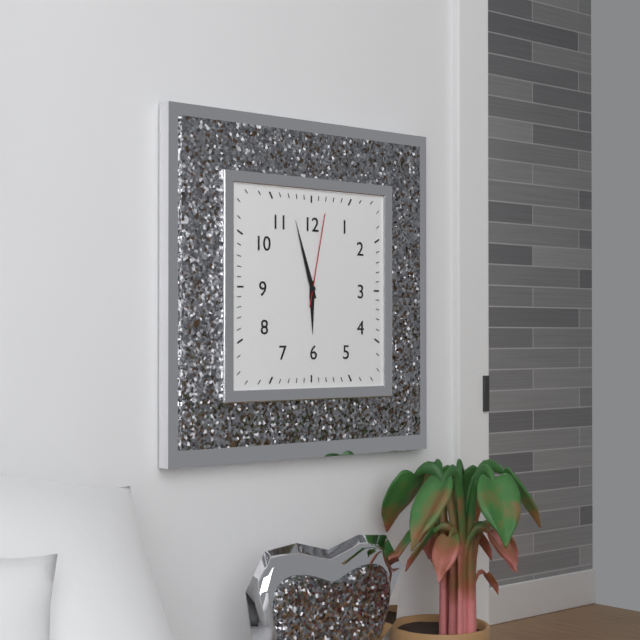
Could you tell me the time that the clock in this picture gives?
5:57:02
